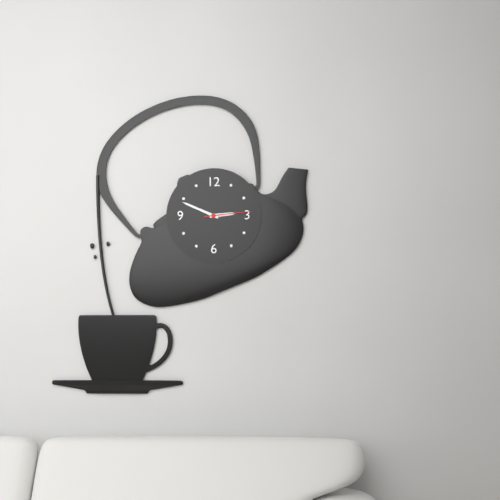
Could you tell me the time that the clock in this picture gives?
2:49
